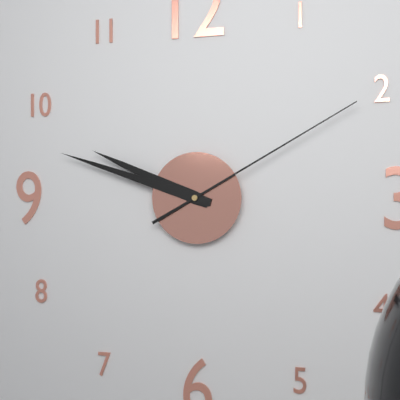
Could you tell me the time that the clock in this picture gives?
9:48:10
